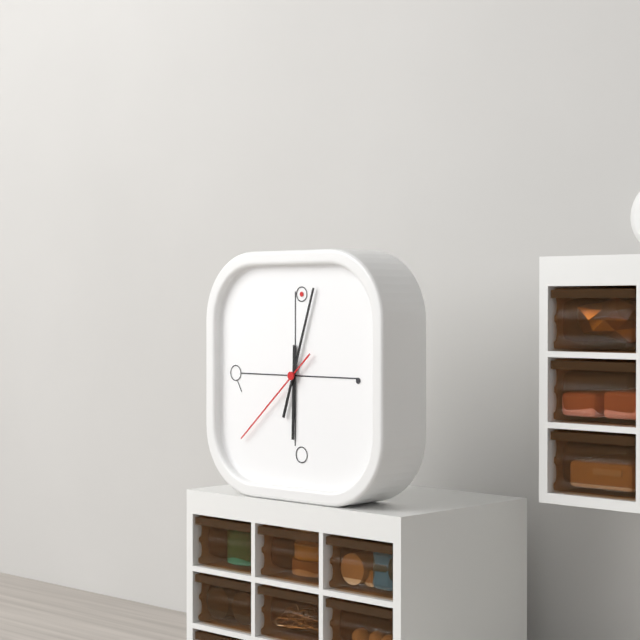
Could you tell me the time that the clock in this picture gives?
6:03:38
